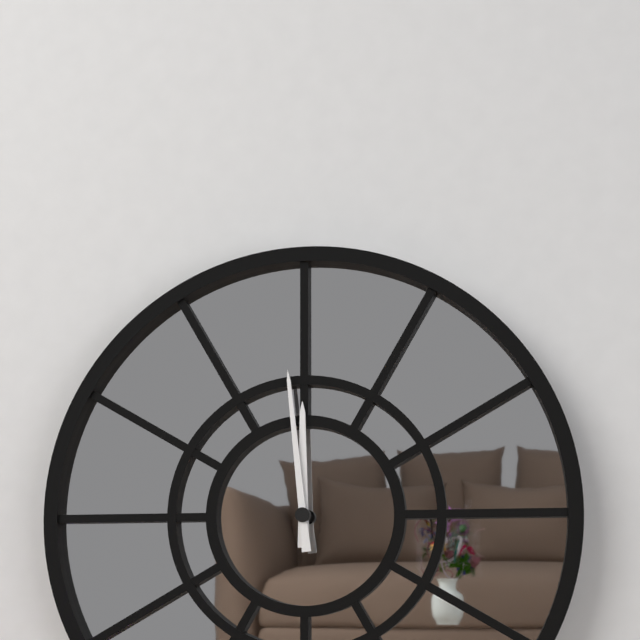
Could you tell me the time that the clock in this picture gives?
11:59
